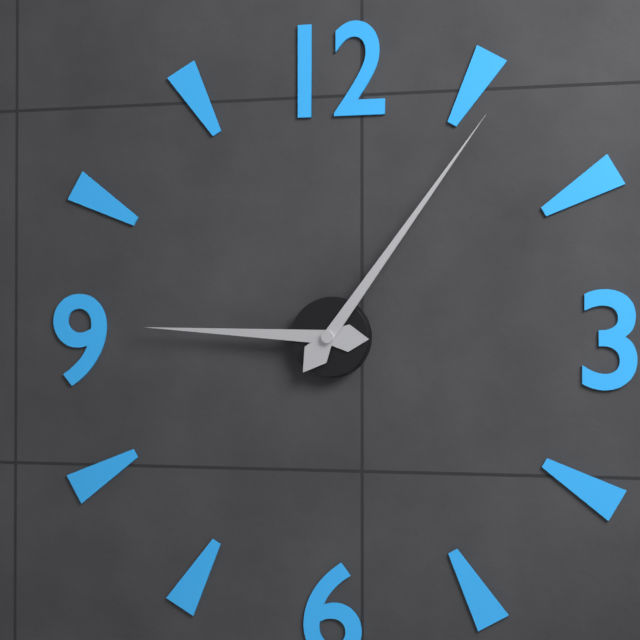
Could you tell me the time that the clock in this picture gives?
9:06
